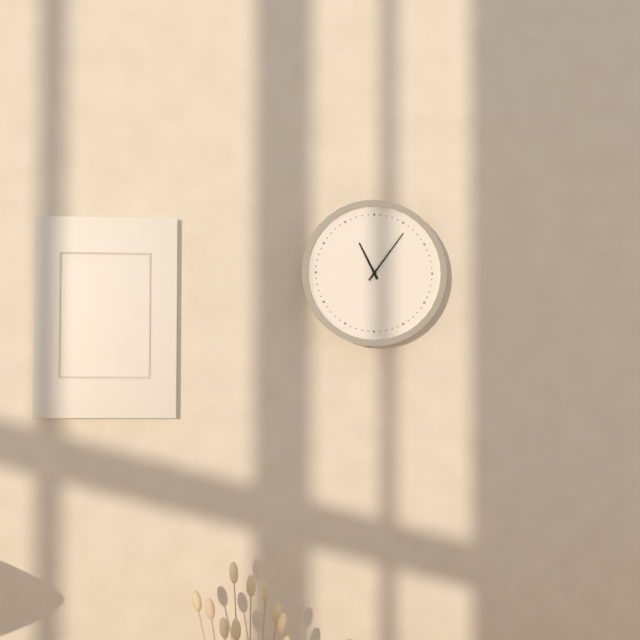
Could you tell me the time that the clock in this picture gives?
11:06
